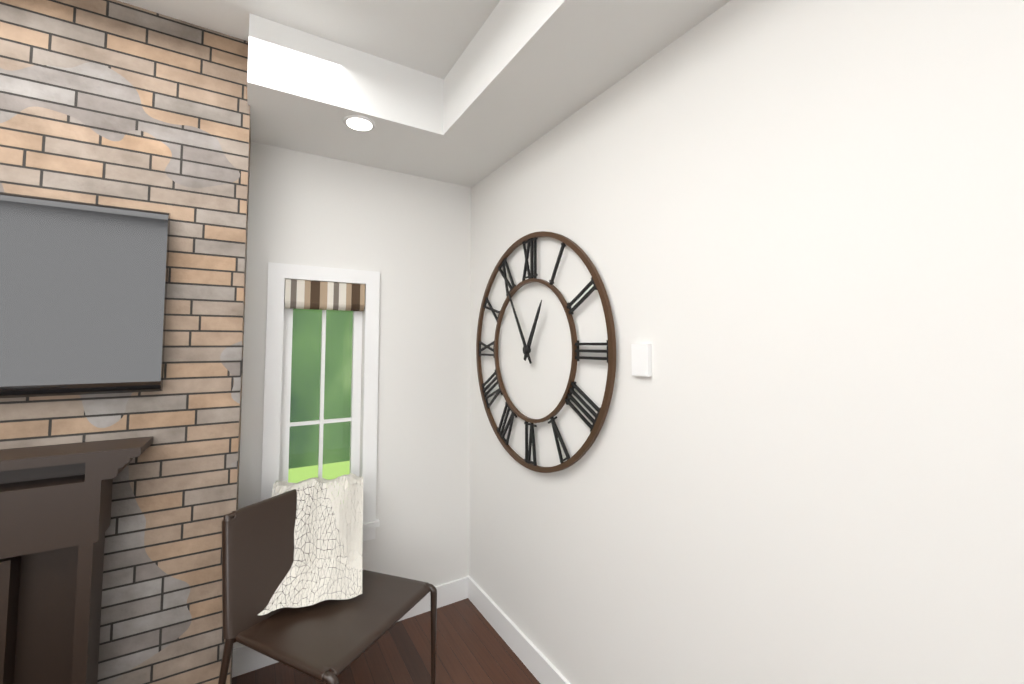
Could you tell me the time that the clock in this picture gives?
12:55
